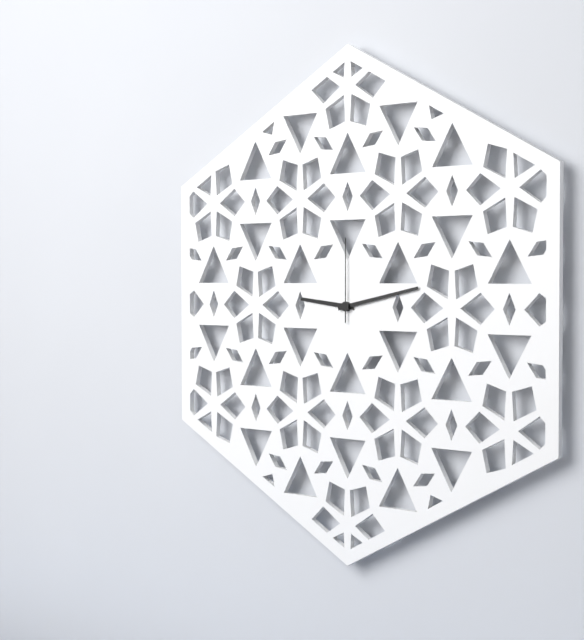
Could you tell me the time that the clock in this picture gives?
9:13:00
